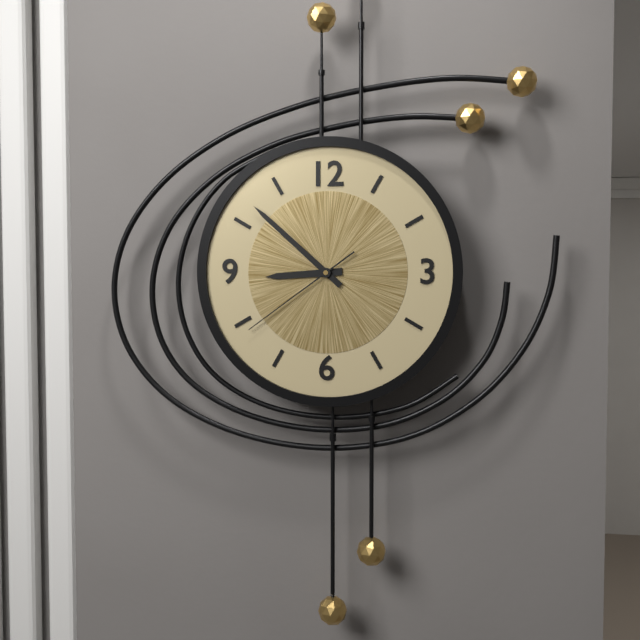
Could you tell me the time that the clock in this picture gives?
8:52:39
